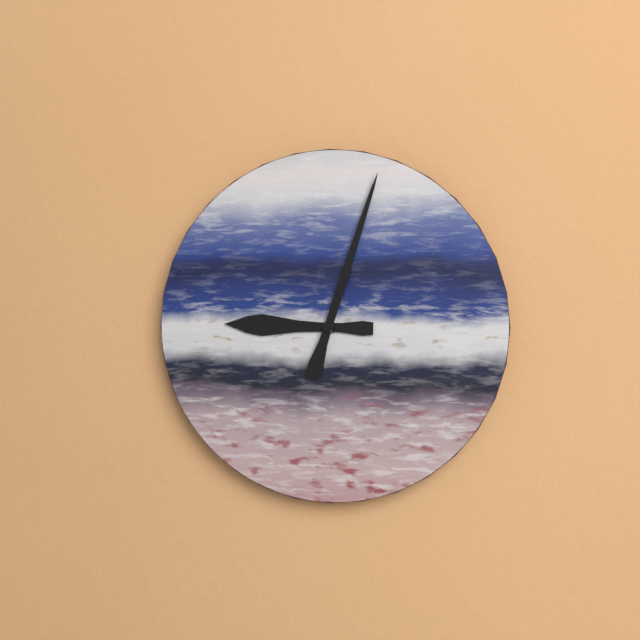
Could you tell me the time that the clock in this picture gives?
9:03
